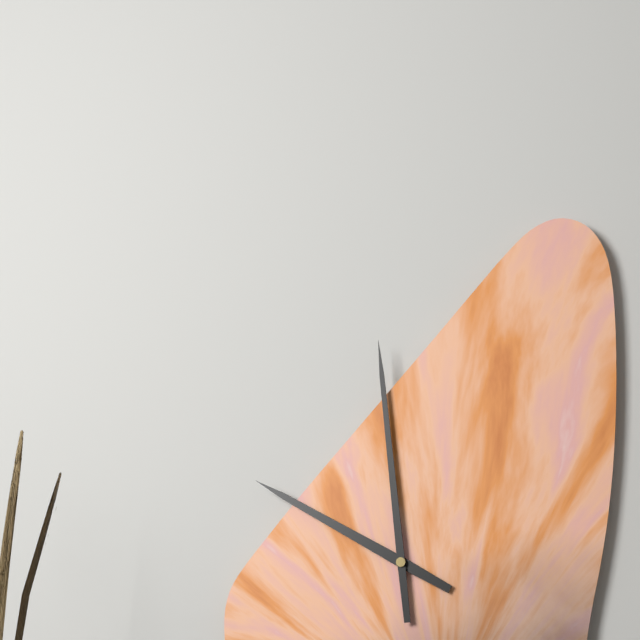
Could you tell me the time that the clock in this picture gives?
9:59
